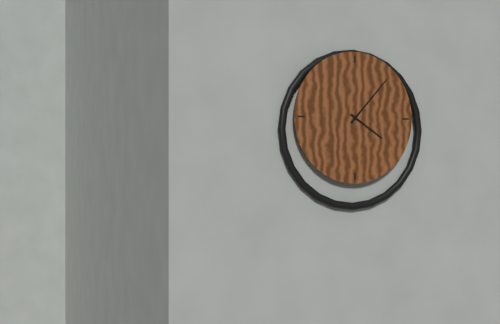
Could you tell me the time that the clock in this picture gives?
4:07
